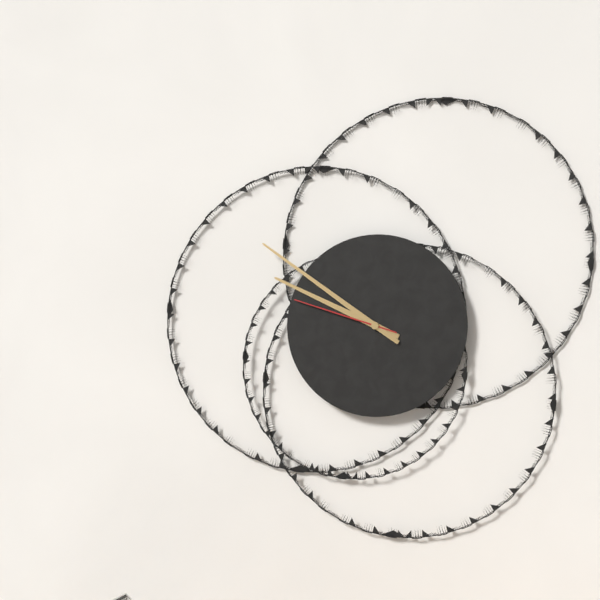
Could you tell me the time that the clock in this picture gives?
9:51:48
